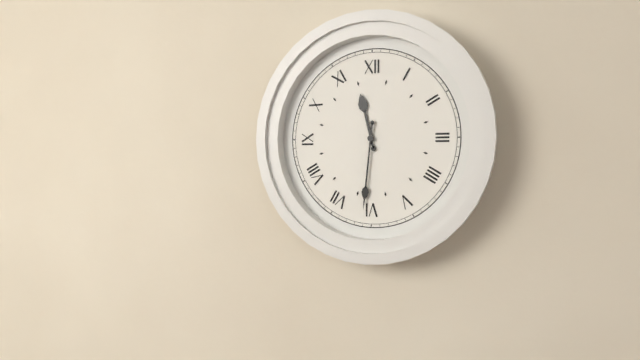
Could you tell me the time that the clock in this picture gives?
11:31
